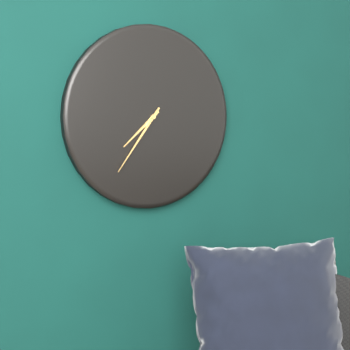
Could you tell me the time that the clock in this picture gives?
7:36
